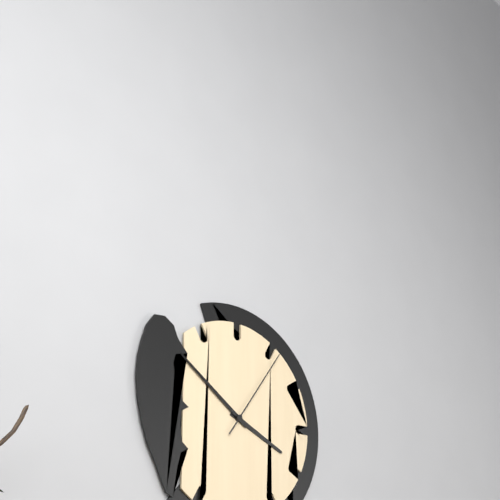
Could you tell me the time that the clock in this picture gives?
3:51:06
